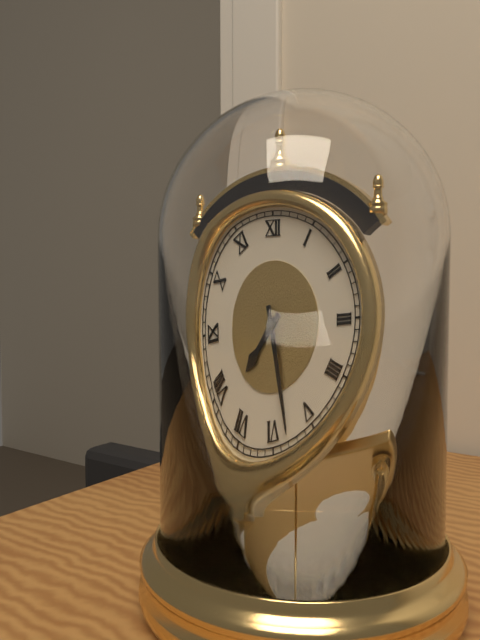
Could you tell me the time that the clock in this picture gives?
7:28
